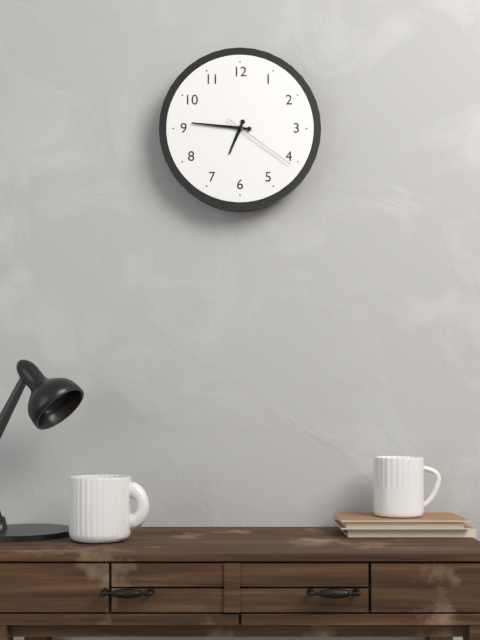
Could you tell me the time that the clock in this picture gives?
6:46:21
